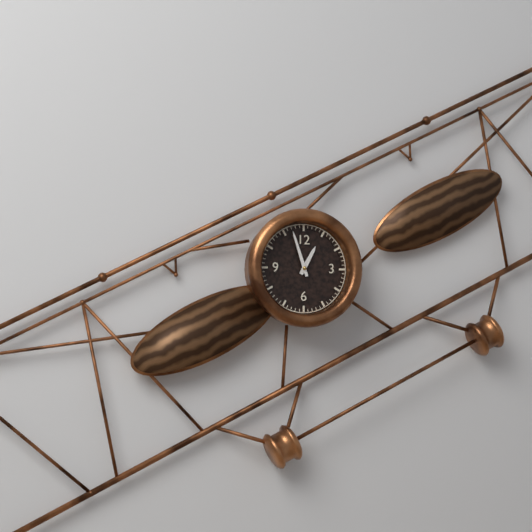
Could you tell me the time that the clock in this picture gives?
12:57
